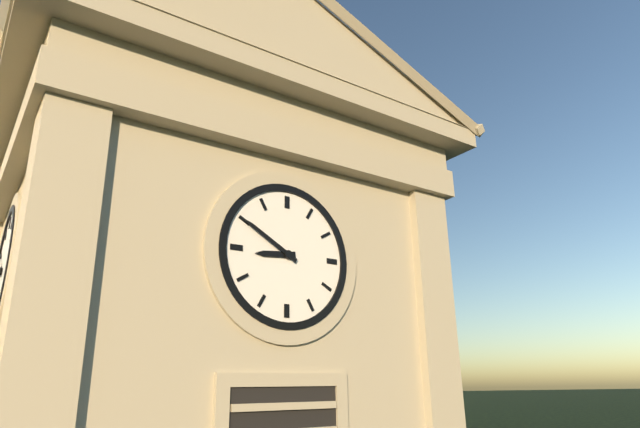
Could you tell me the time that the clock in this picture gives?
8:50
